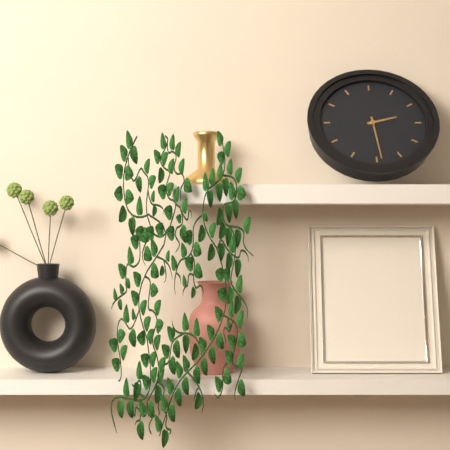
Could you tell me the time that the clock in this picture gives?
2:29
